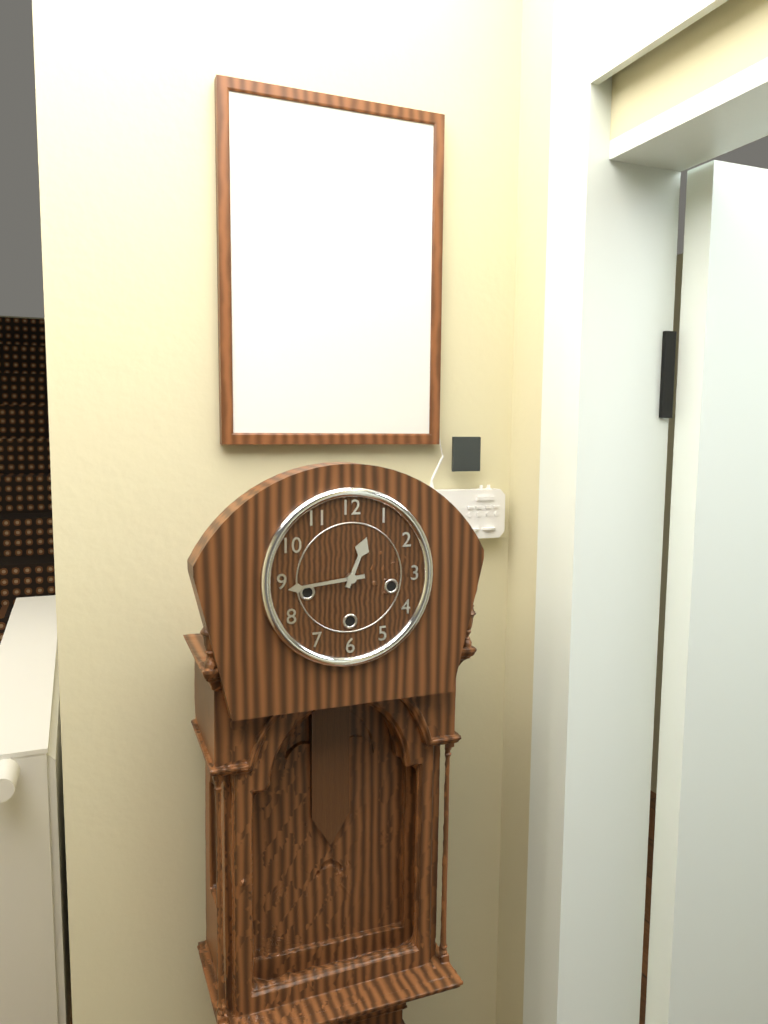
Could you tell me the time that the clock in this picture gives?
12:44
